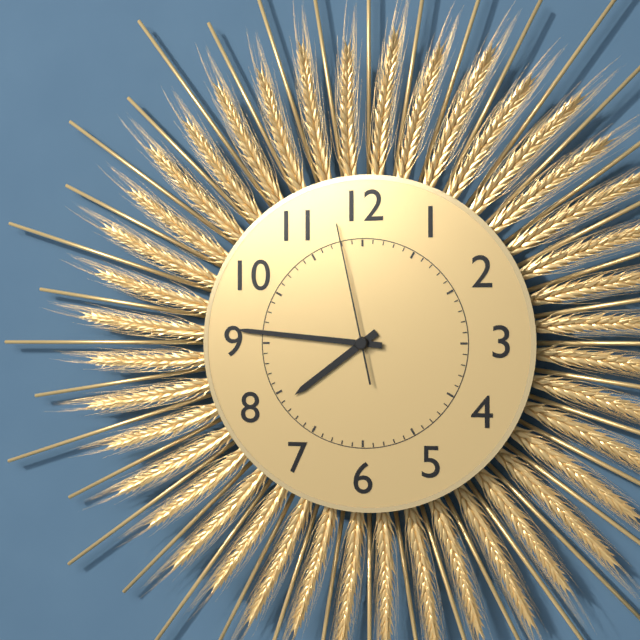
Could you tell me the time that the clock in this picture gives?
7:46:58
